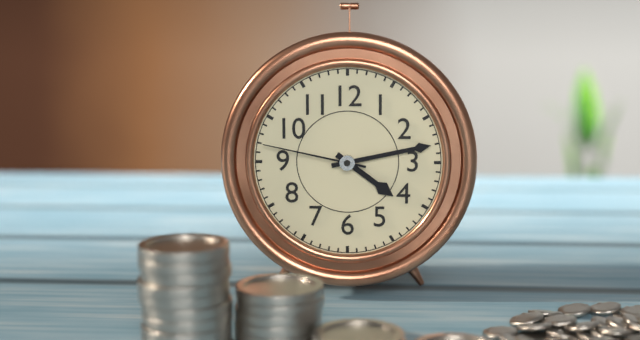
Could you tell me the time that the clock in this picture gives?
4:13:47
